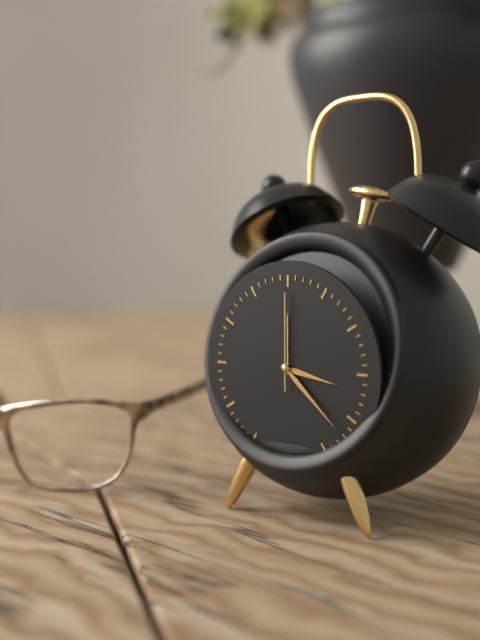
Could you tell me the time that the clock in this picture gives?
3:22:00
